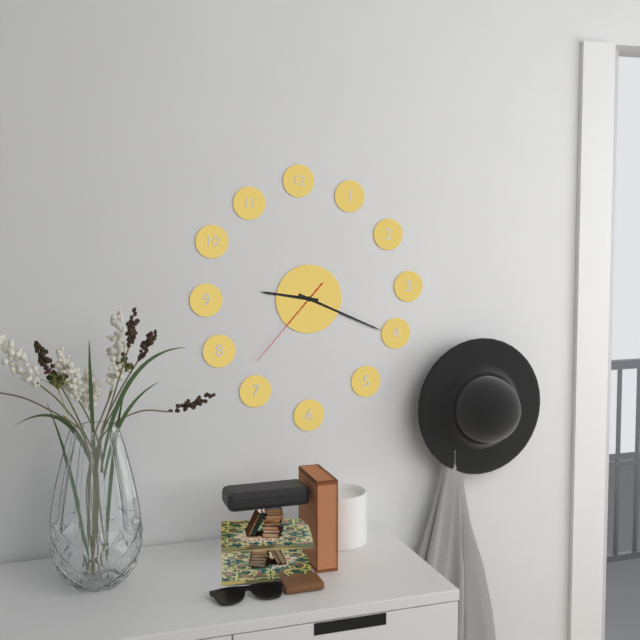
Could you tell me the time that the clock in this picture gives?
9:19:37
